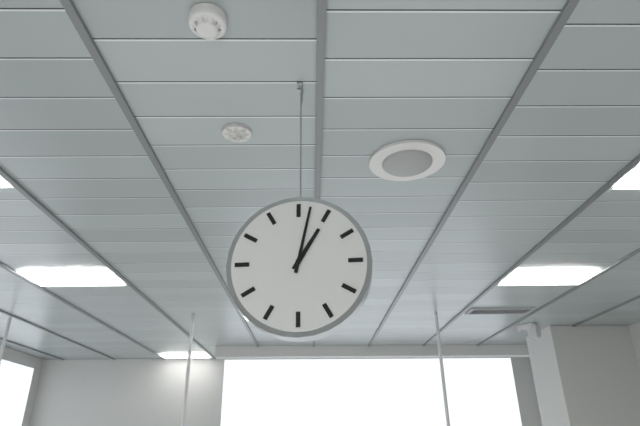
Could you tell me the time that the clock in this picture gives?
1:02
